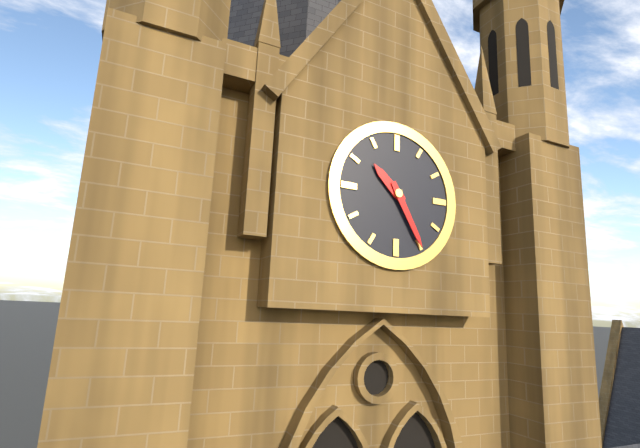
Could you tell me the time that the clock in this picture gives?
10:25
